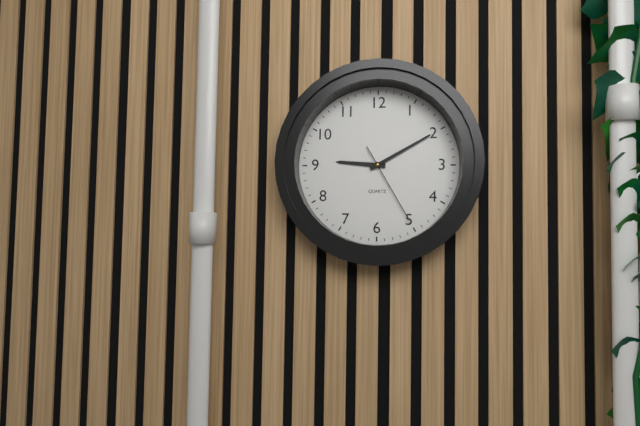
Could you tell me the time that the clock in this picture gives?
9:10:25
